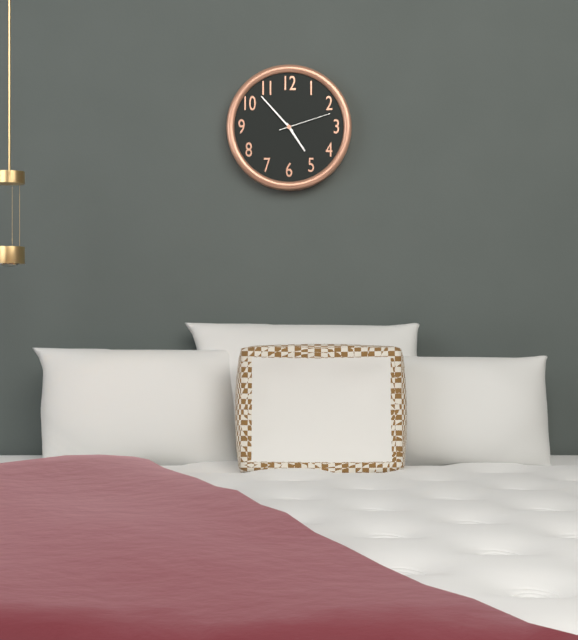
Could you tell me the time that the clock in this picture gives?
4:53:12
